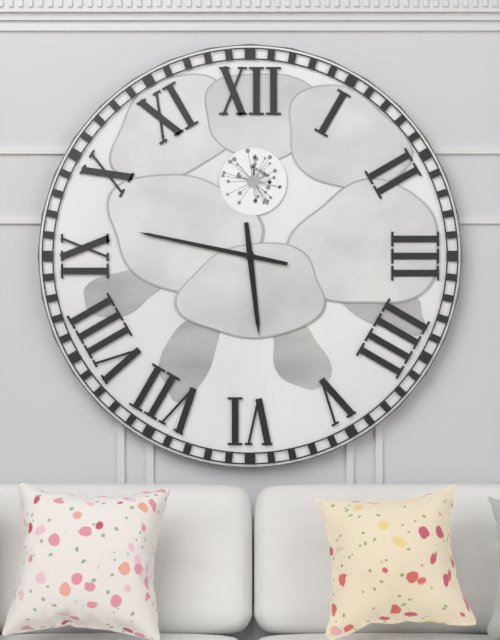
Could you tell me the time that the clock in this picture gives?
5:47
